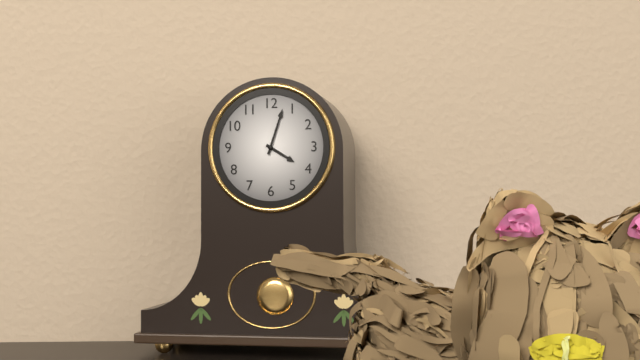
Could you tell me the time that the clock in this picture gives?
4:03
